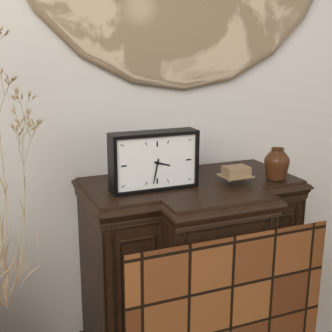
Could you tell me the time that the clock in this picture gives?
3:32
